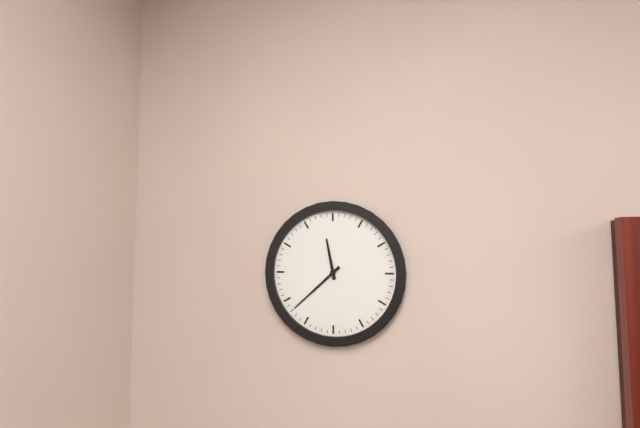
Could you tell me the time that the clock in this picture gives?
11:38
